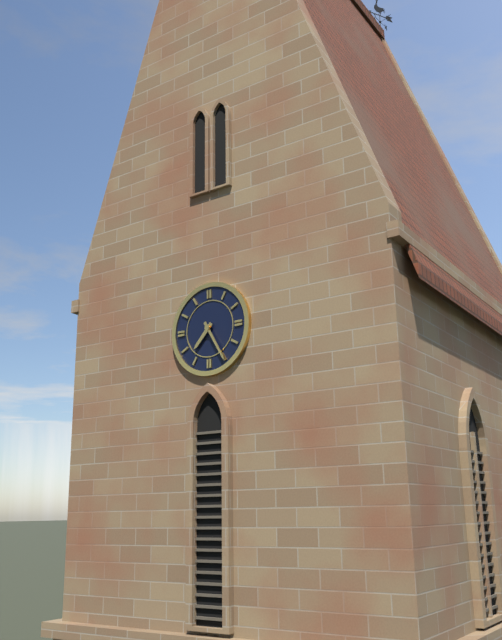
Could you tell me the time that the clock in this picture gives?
7:25
